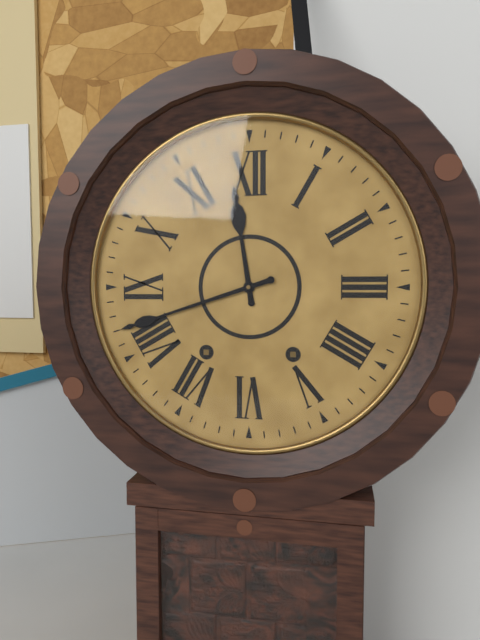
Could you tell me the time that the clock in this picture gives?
11:42
